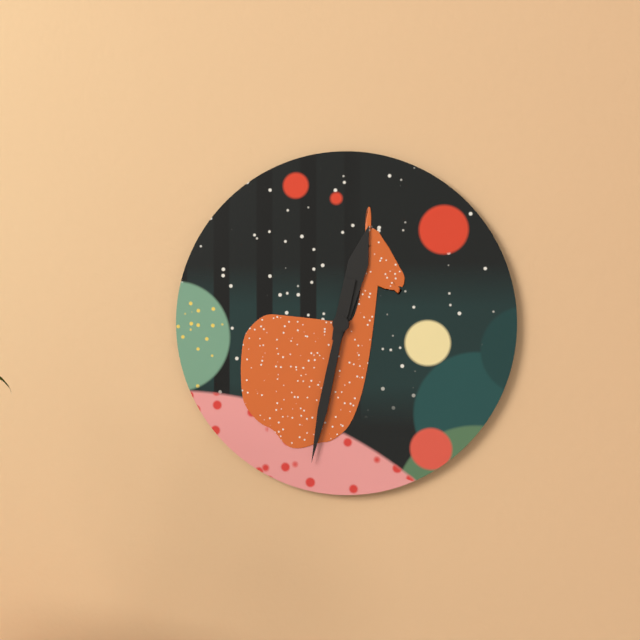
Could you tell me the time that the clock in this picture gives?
12:32
